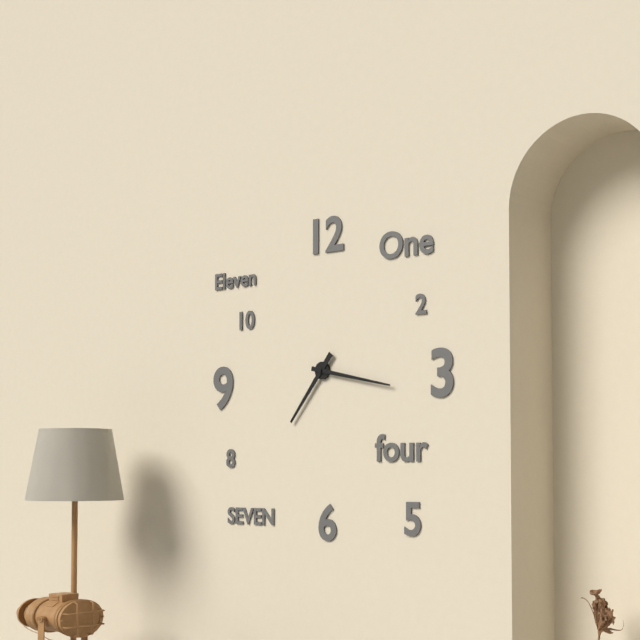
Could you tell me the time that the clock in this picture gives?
7:17
